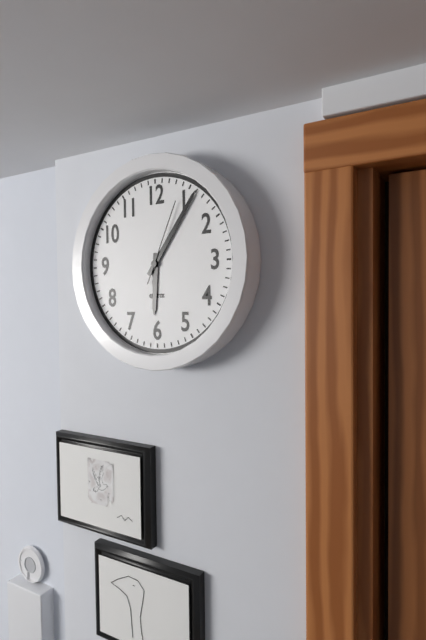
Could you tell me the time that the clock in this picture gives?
6:06:04
